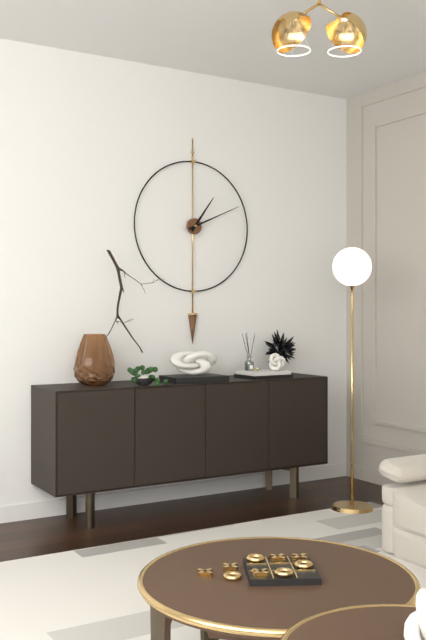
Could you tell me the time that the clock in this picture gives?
1:11
